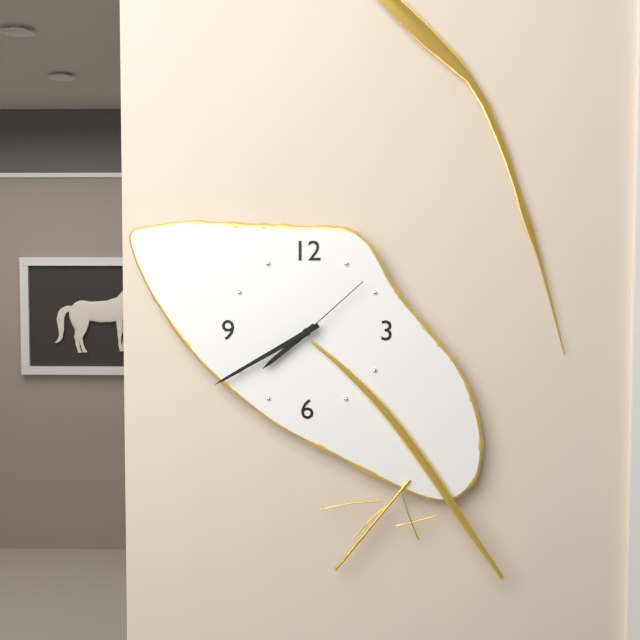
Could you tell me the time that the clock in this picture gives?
7:40:08
